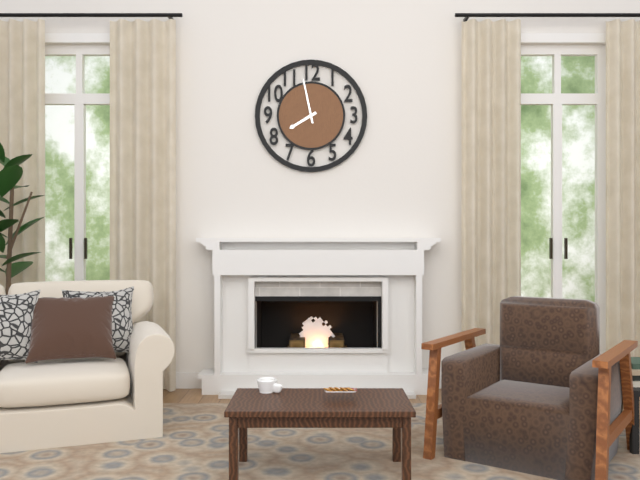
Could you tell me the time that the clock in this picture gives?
7:58
